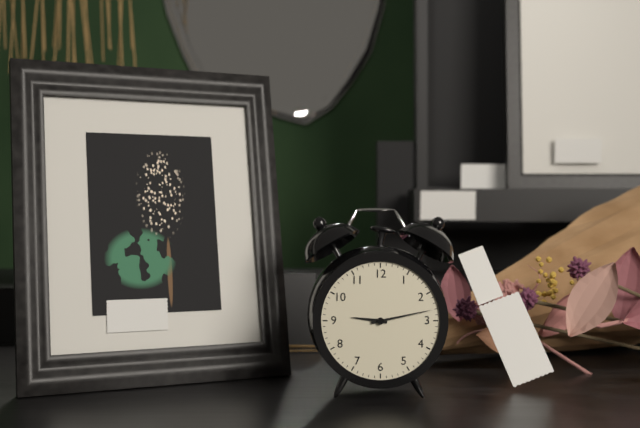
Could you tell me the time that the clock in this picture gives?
9:13
